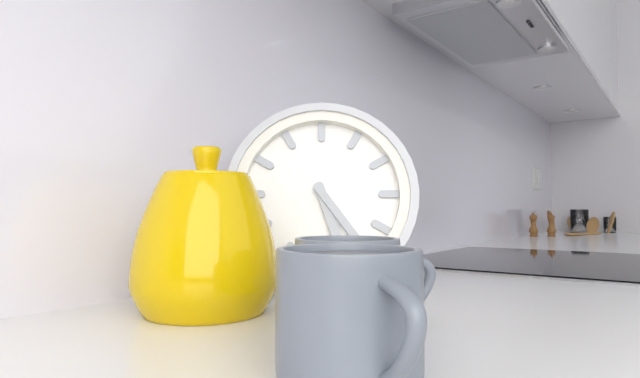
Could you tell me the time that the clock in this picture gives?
5:24
